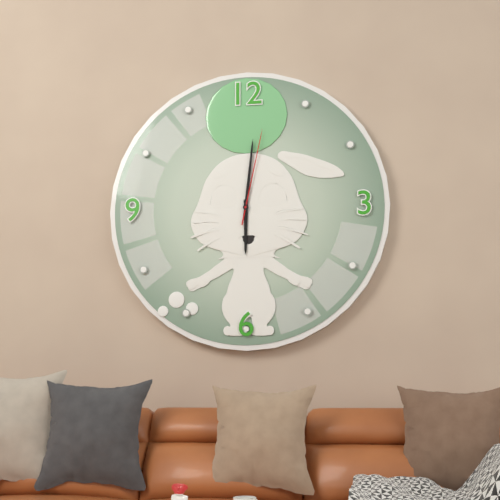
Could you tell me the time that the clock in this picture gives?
6:01:02
